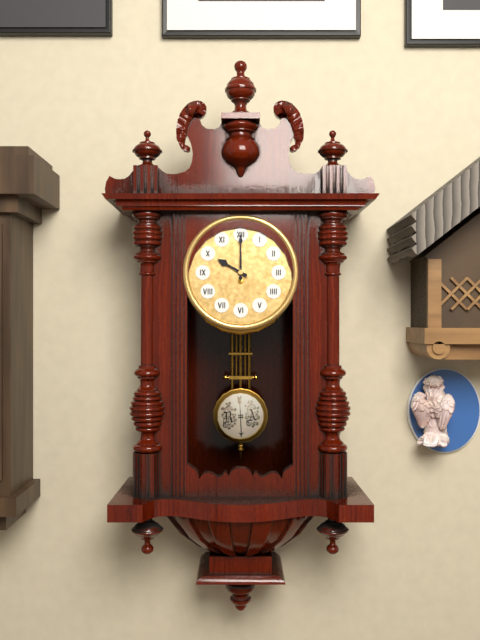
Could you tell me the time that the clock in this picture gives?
10:00
